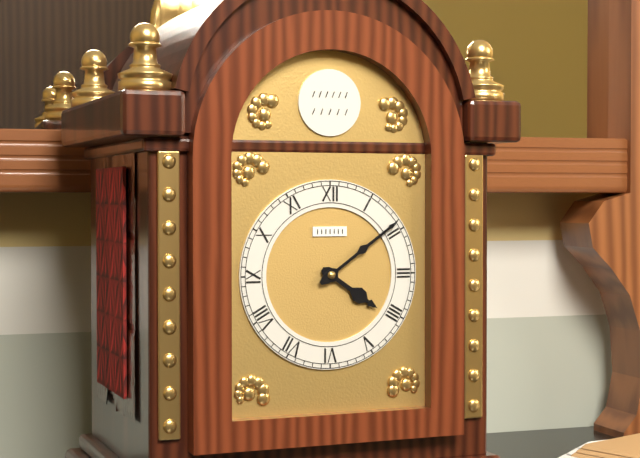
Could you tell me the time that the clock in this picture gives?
4:09
